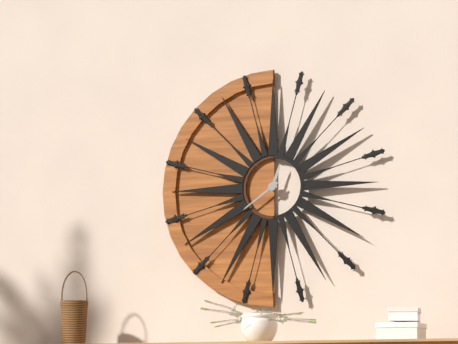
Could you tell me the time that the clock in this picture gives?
12:39
